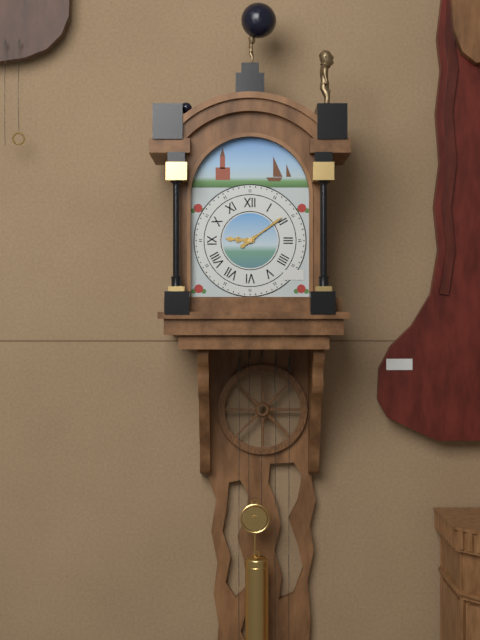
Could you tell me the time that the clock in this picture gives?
9:09
